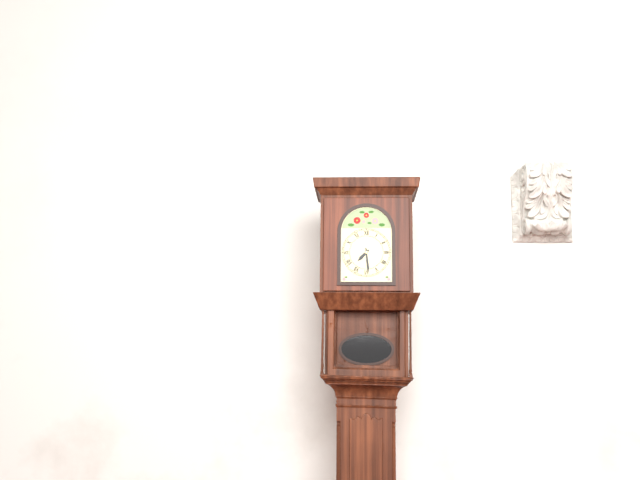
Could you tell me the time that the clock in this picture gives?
7:29
